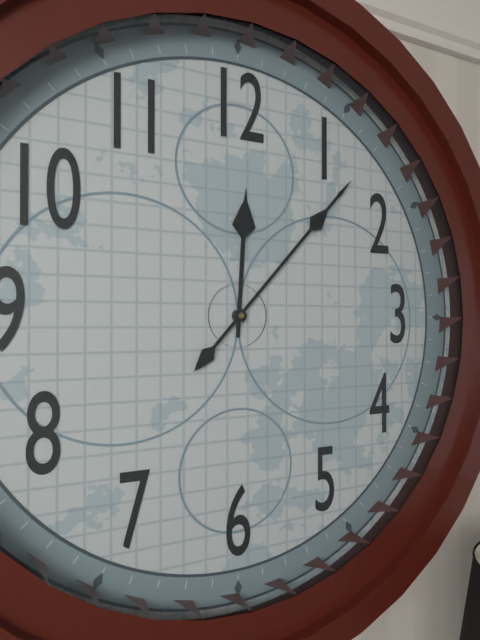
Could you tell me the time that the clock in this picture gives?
12:07
